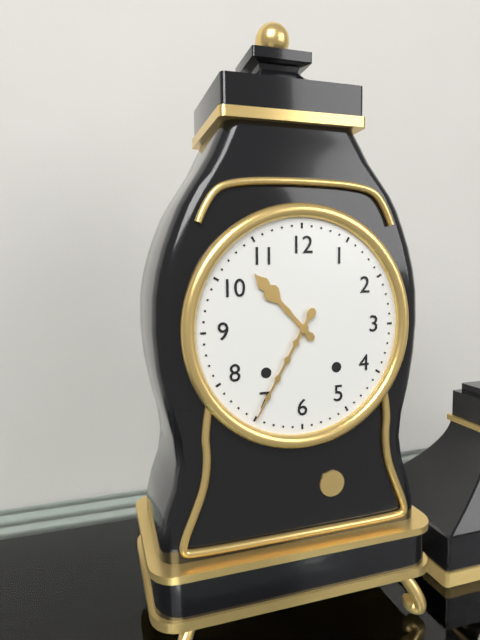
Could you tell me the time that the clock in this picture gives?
10:35
